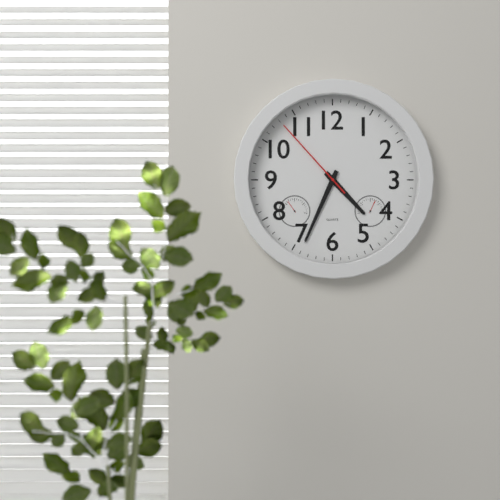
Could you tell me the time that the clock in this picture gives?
4:34:53
